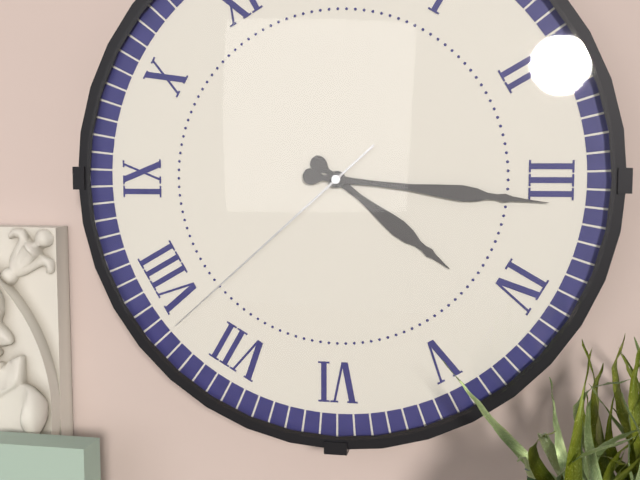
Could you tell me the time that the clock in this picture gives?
4:16:38
